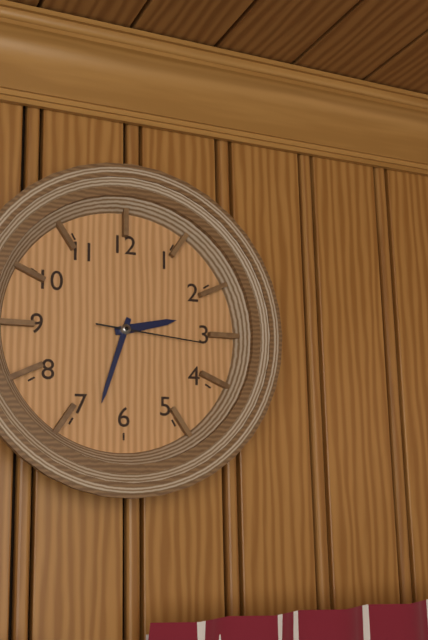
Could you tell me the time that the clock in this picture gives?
2:33:16
